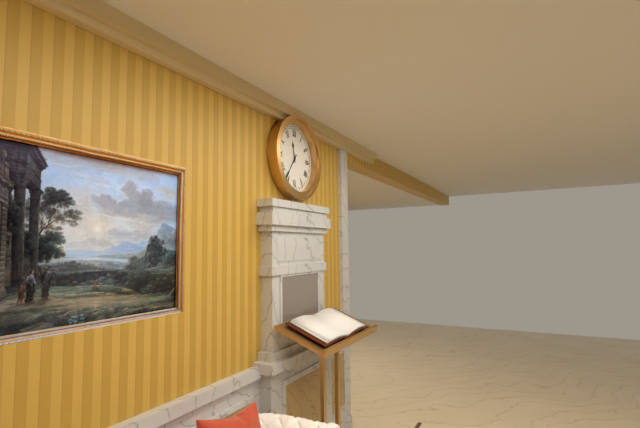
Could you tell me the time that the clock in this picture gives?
11:36
